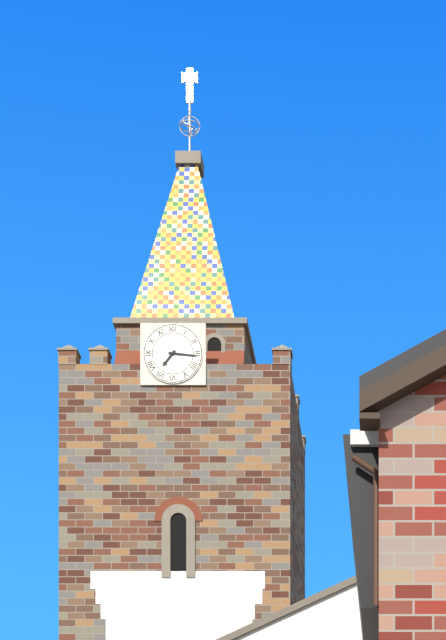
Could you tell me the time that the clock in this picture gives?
7:16
